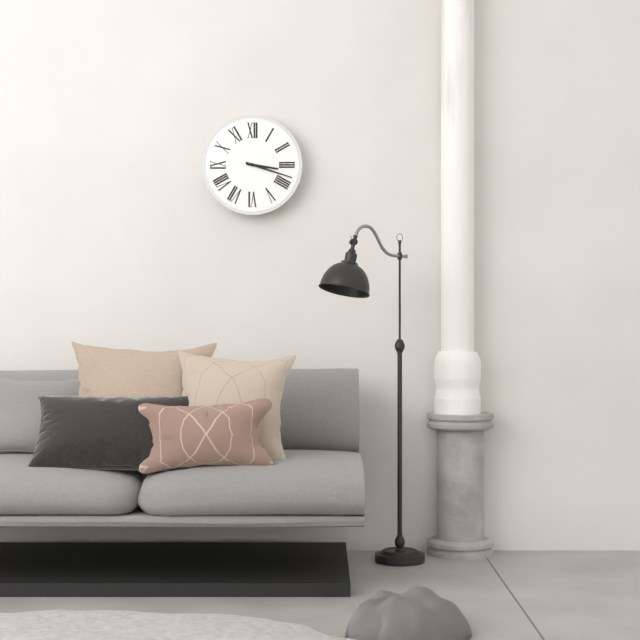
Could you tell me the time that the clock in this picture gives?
3:18
